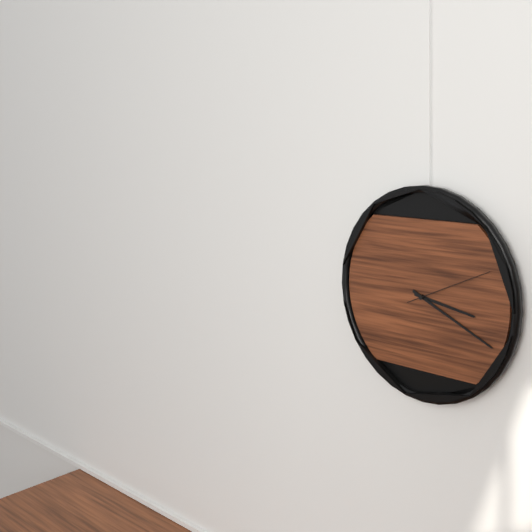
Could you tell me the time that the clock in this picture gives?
3:19:11
